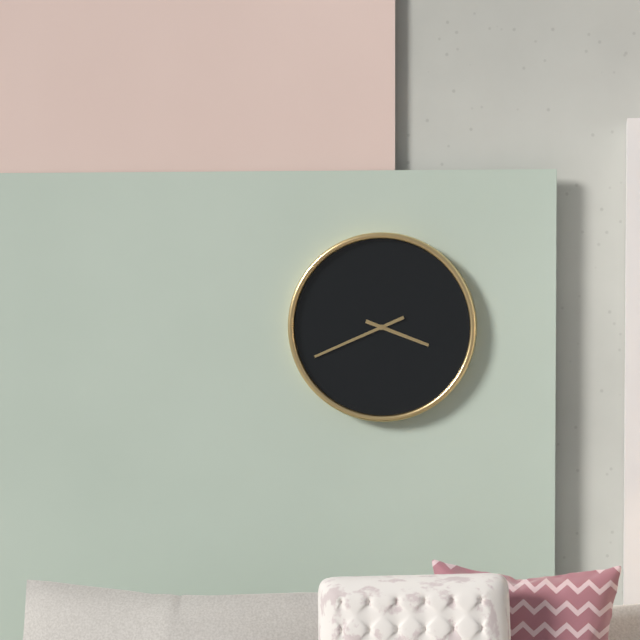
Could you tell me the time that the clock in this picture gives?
3:41
